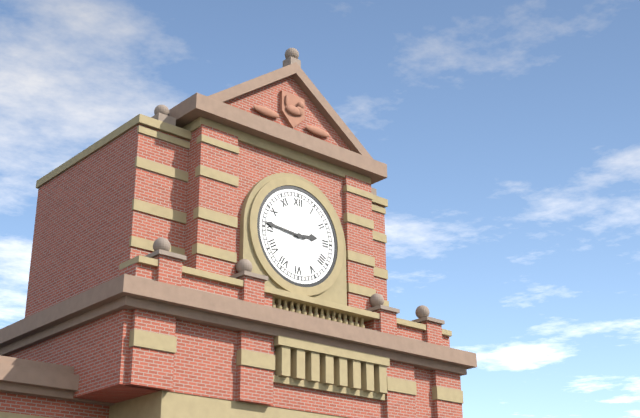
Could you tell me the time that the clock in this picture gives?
2:46
